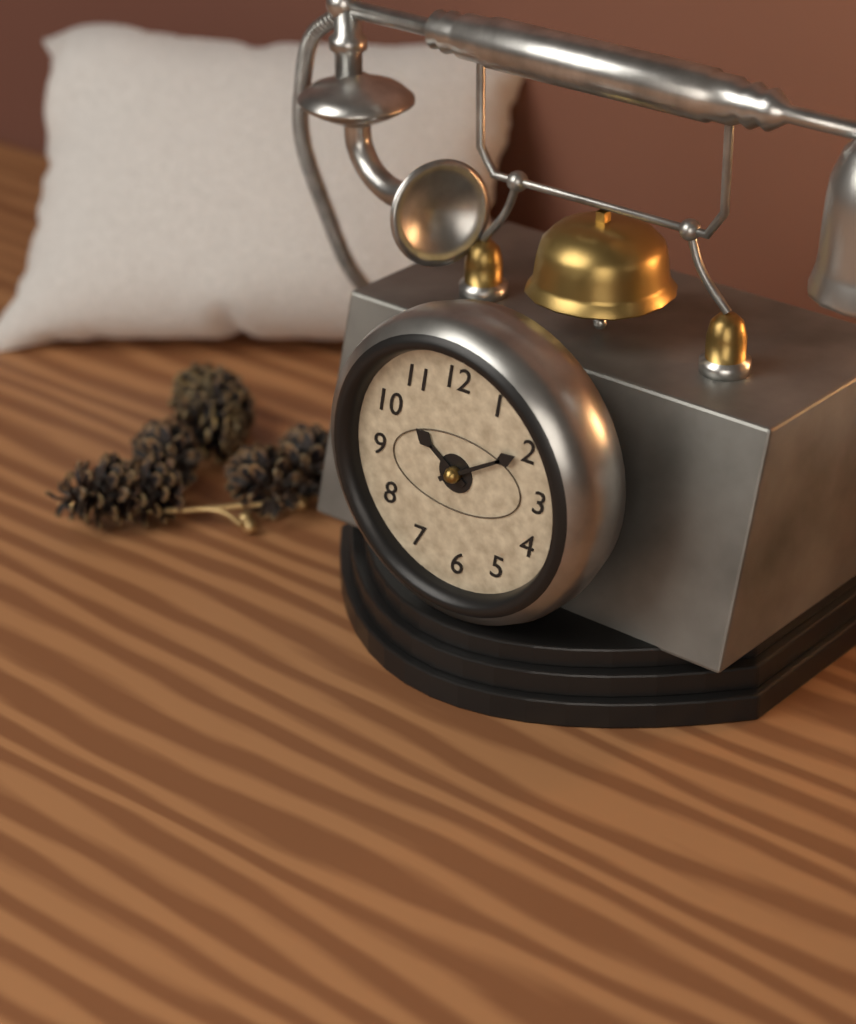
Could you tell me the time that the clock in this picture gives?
10:10
